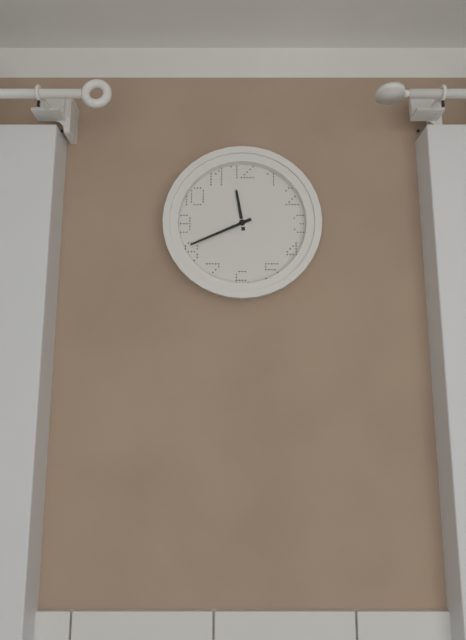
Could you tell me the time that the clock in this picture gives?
11:41
